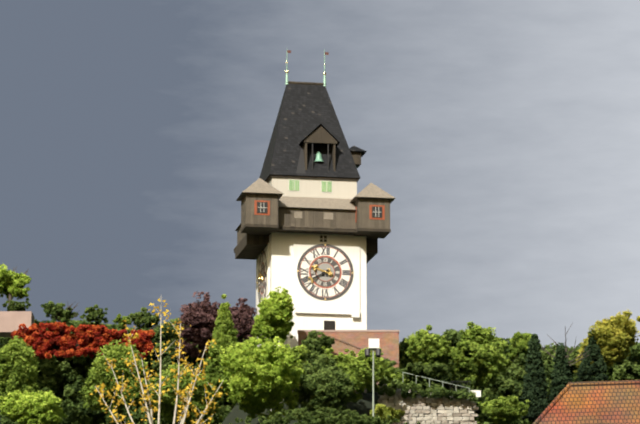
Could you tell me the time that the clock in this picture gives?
9:40
